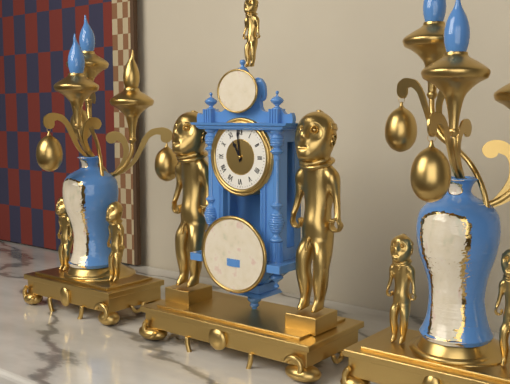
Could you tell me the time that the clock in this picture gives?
10:59
